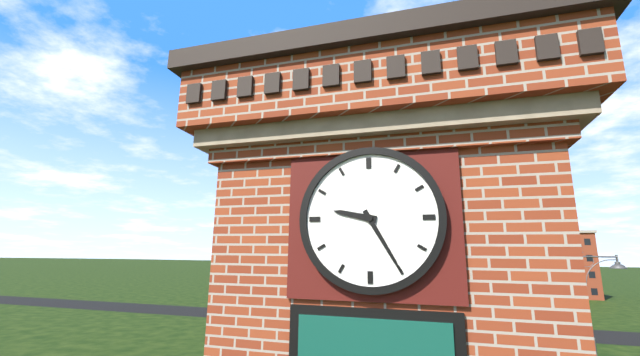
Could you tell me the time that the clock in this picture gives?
9:25
